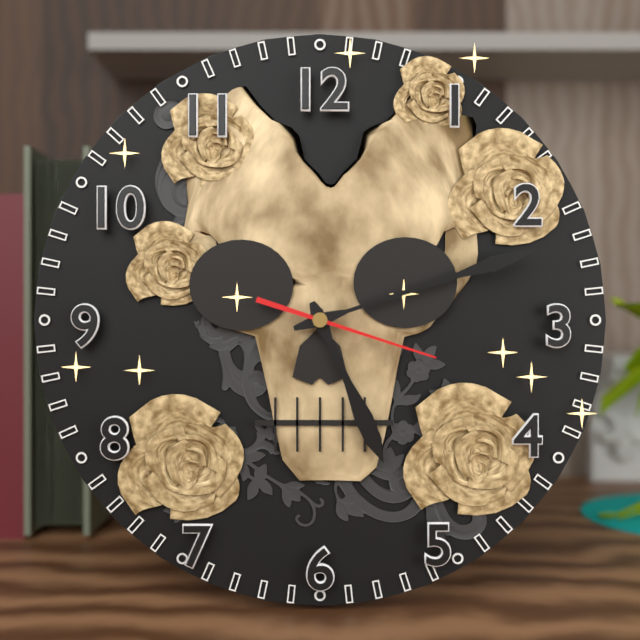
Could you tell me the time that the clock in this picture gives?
5:12:18
